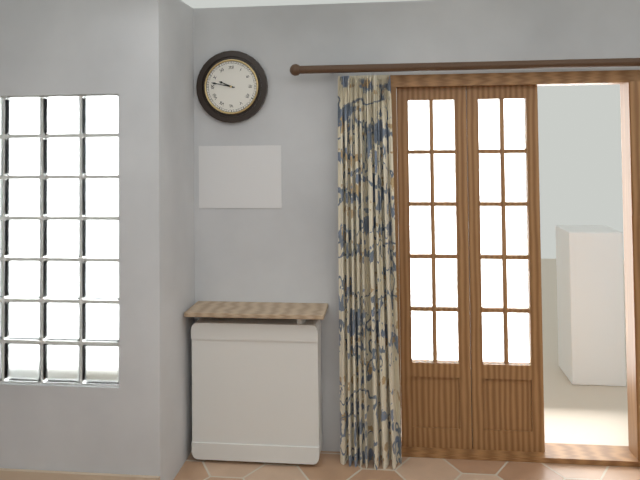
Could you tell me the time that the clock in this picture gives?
9:47
